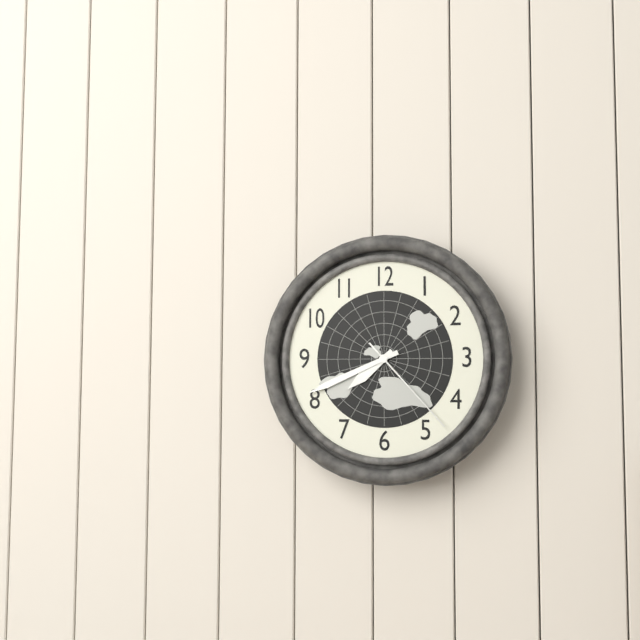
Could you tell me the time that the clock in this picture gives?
7:41:23
